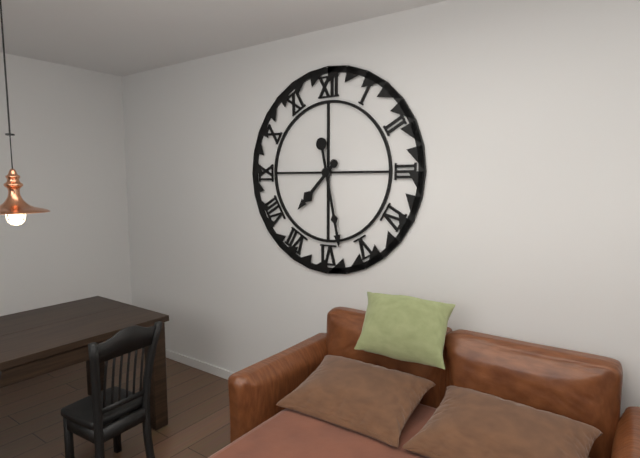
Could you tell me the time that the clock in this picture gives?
7:28
